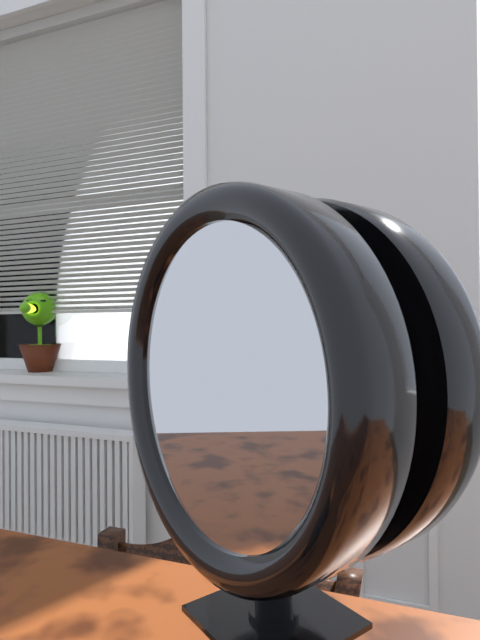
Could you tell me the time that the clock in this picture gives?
9:11:16
